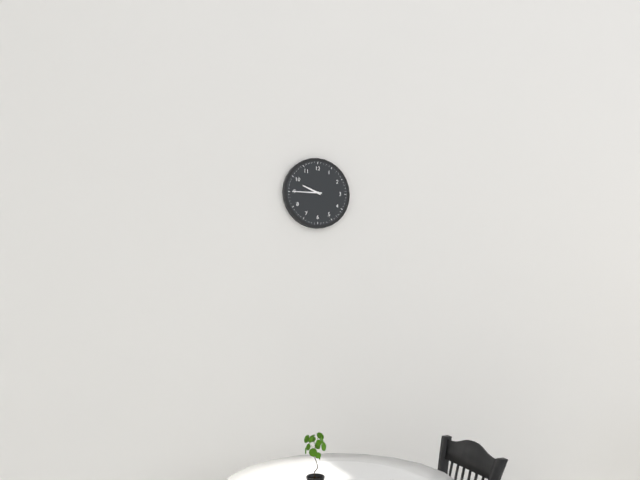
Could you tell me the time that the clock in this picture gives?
9:45
